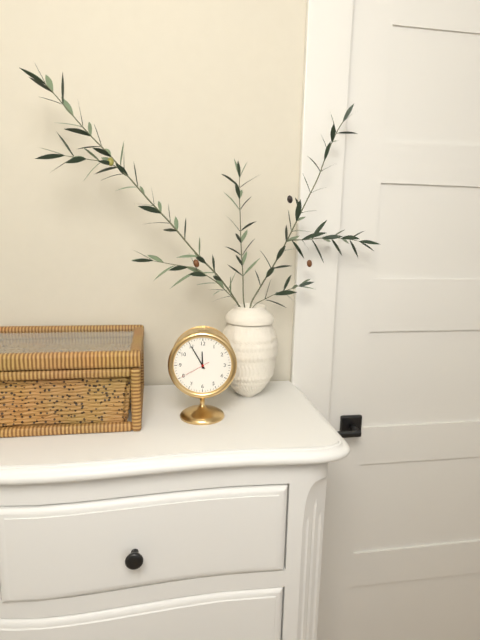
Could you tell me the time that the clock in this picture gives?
11:55
